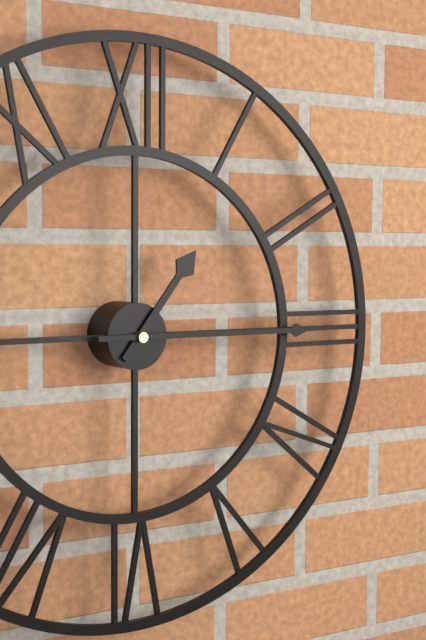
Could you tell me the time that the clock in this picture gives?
1:15
